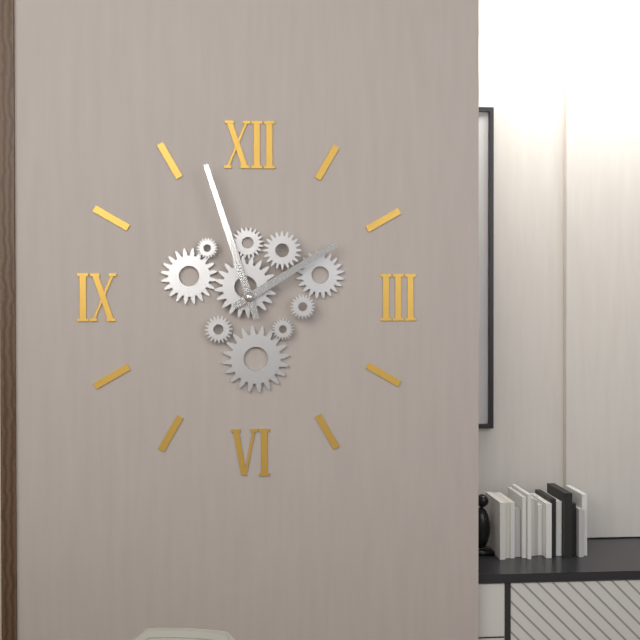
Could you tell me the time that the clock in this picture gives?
1:57
